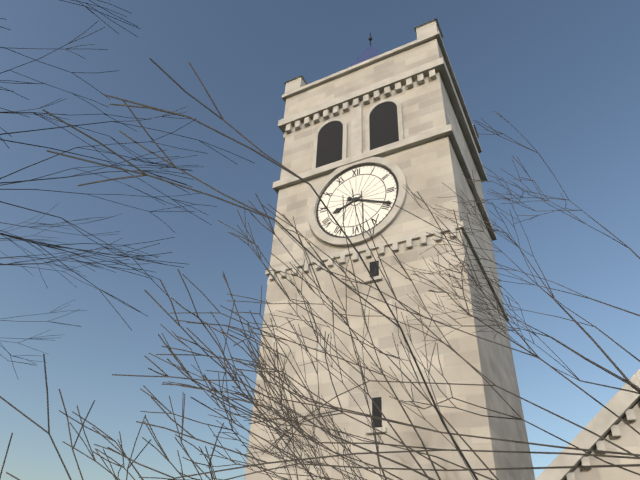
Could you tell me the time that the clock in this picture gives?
8:19
